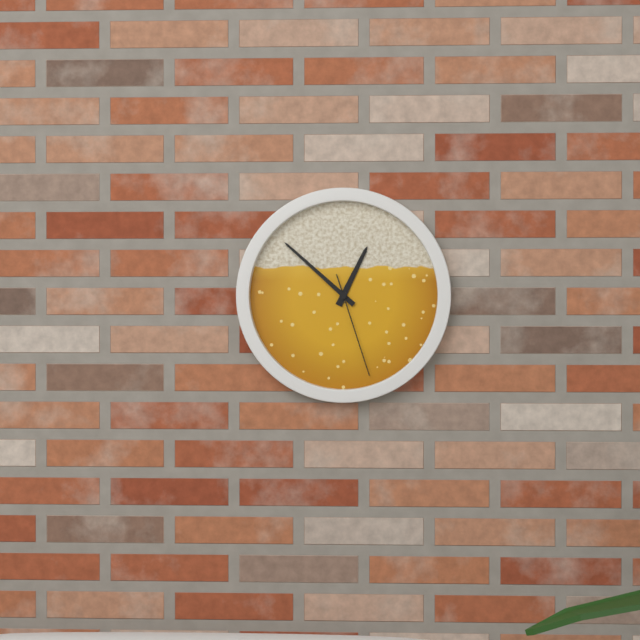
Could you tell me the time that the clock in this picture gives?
12:52:27
